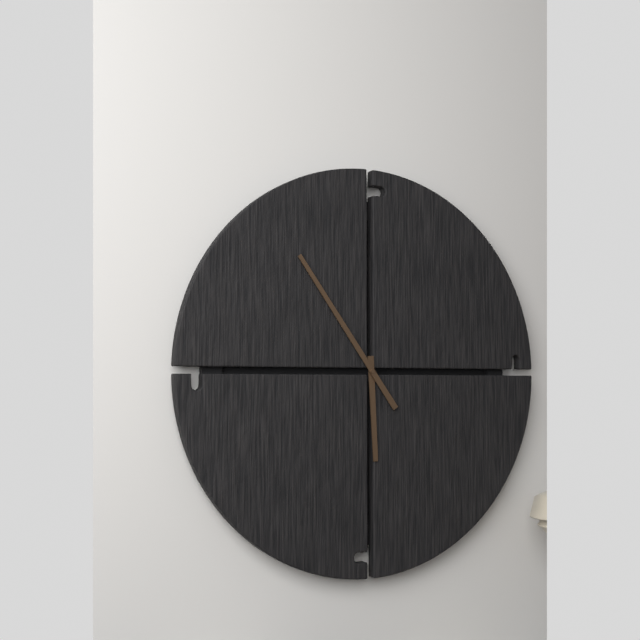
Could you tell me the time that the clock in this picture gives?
5:54
